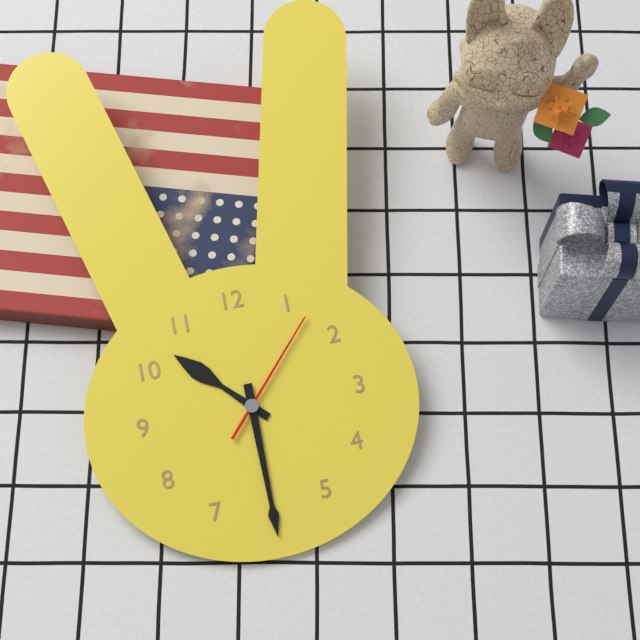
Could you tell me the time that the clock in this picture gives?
10:30:07
